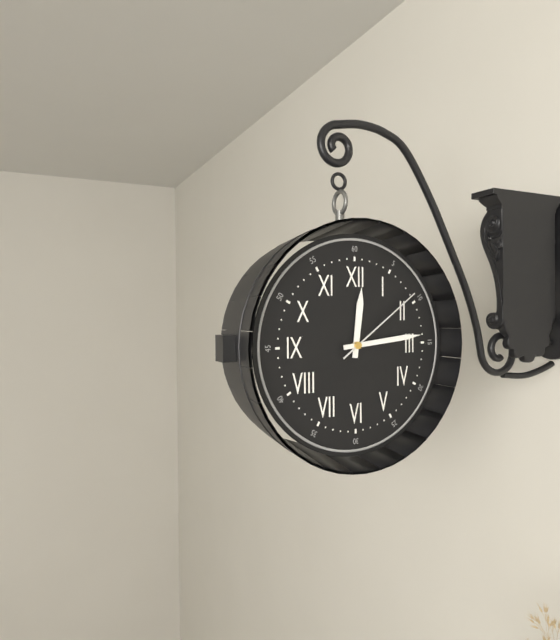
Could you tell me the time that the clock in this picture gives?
12:14:09
